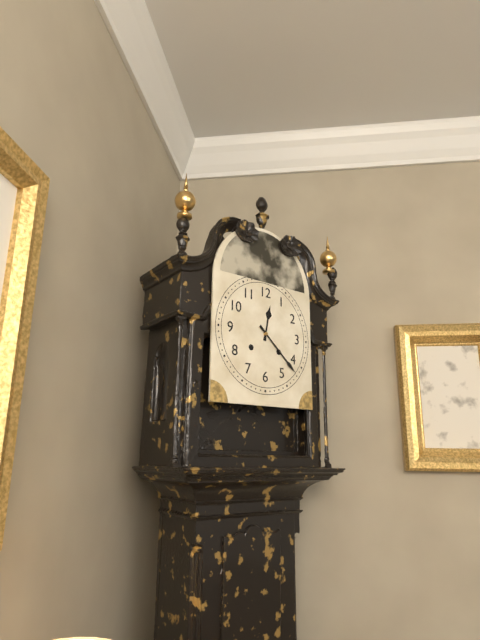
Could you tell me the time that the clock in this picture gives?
12:22
